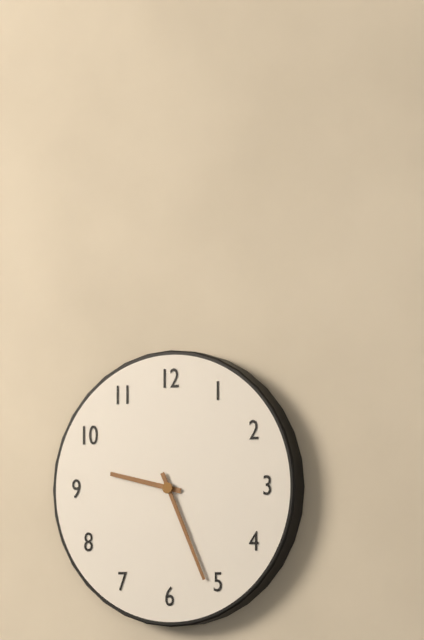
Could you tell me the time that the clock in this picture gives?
9:26
